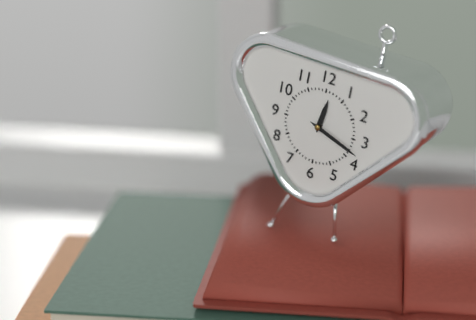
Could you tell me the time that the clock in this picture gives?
12:18
